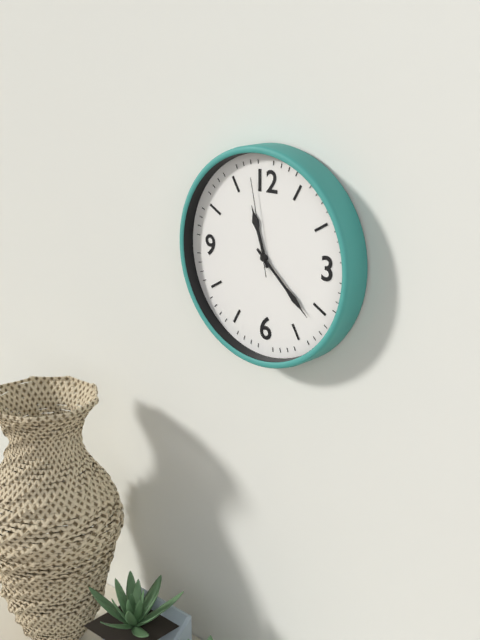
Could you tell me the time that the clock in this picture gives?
11:22:58
